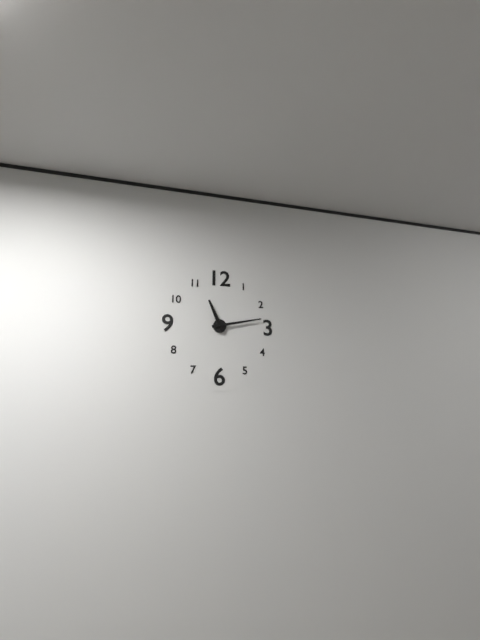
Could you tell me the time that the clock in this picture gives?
11:13
